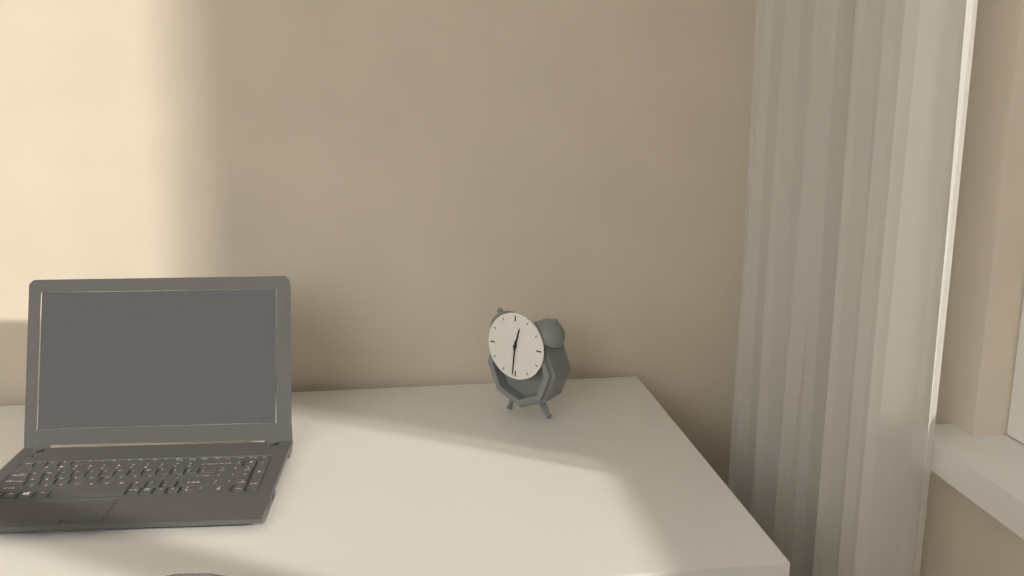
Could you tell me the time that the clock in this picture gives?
12:31
